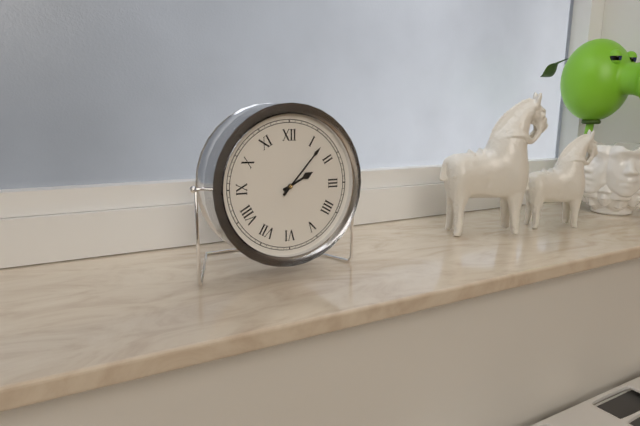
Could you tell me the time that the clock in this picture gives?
2:07
